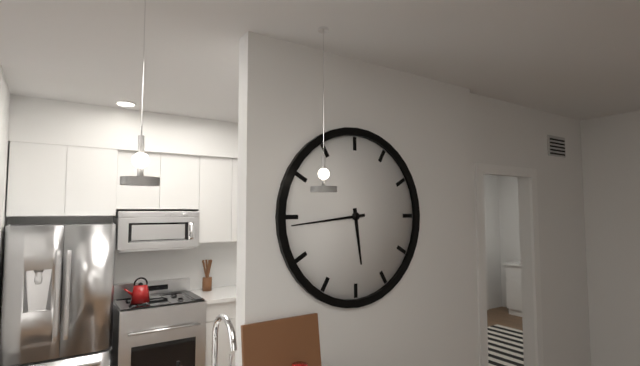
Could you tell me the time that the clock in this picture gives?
5:44
